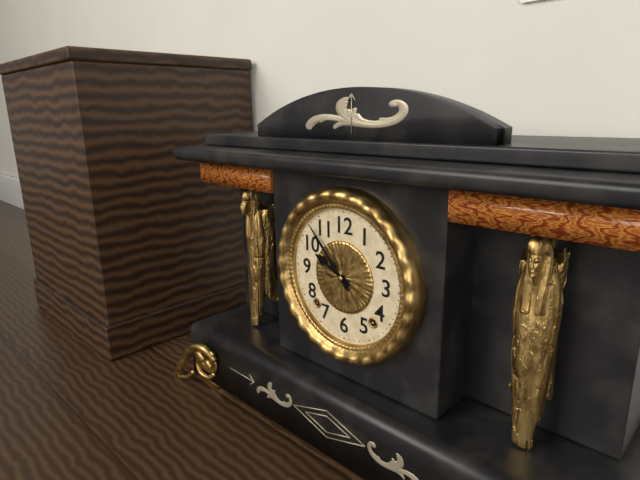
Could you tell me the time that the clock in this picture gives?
9:53
